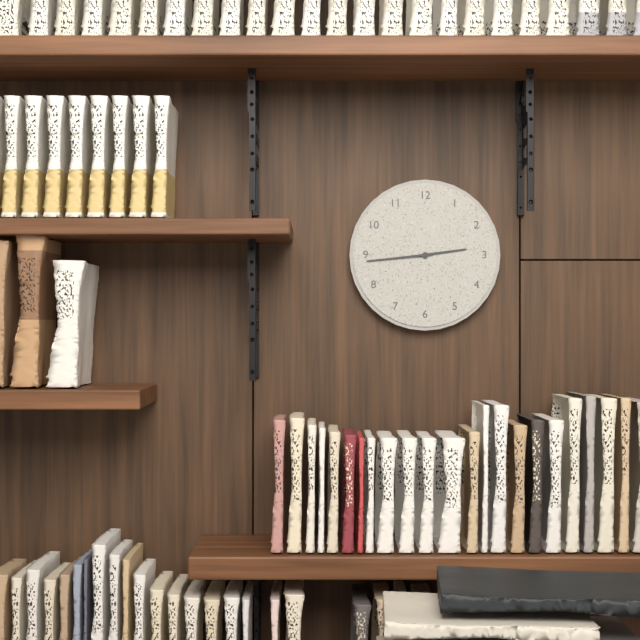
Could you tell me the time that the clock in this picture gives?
2:44
